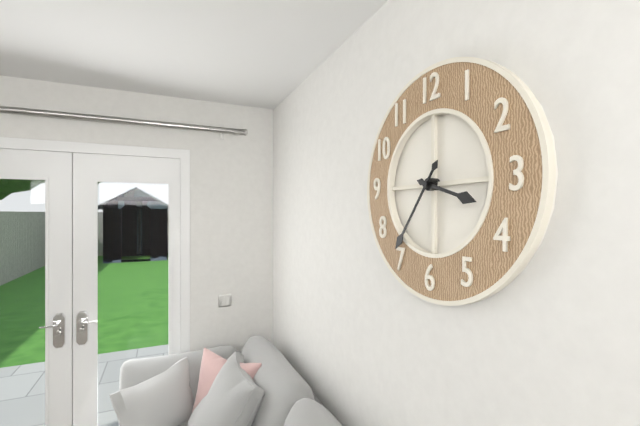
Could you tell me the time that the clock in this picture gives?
3:36
